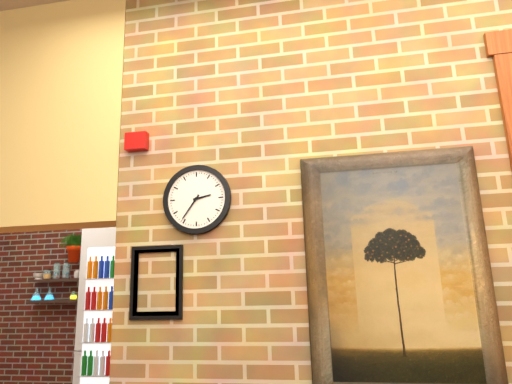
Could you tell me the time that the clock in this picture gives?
2:36
